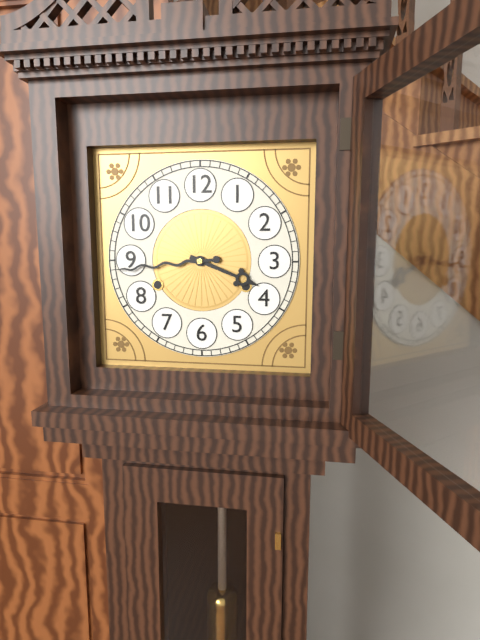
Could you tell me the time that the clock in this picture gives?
3:44
